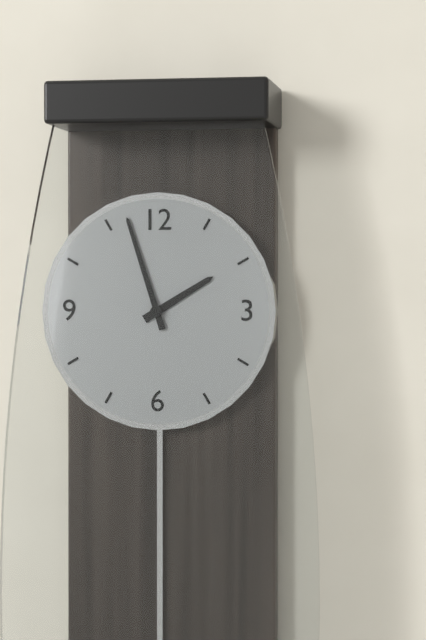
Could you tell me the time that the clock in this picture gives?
1:57
